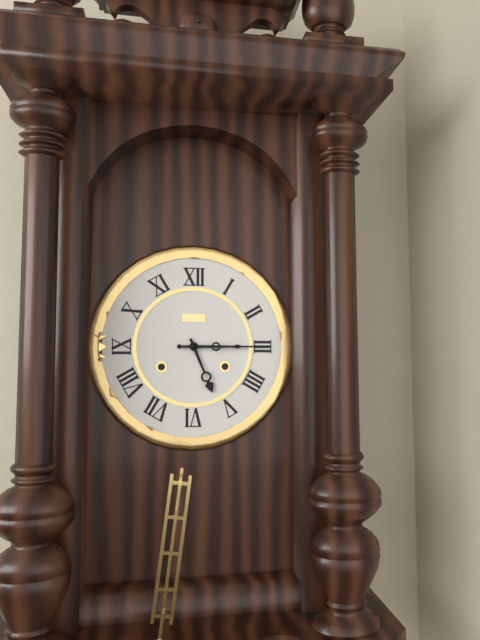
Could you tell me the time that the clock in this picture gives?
5:15
